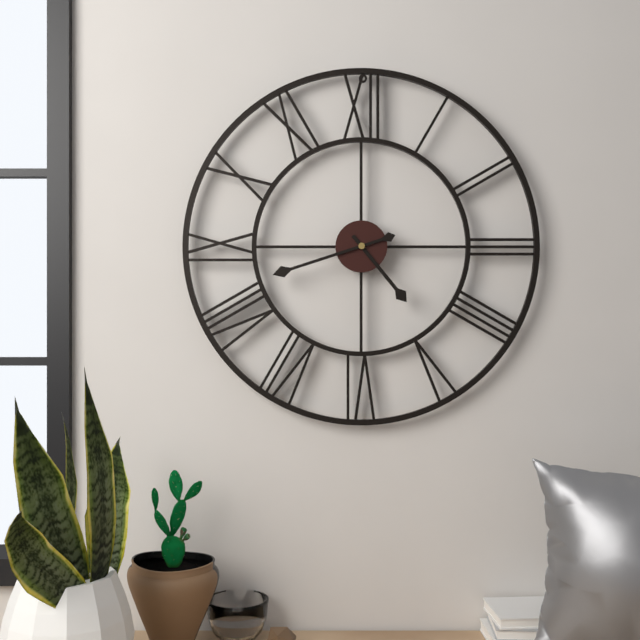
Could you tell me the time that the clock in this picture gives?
4:42
